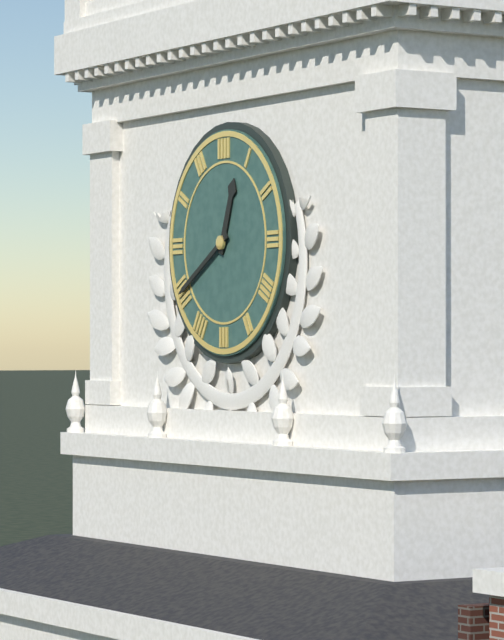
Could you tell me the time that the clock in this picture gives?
12:40
